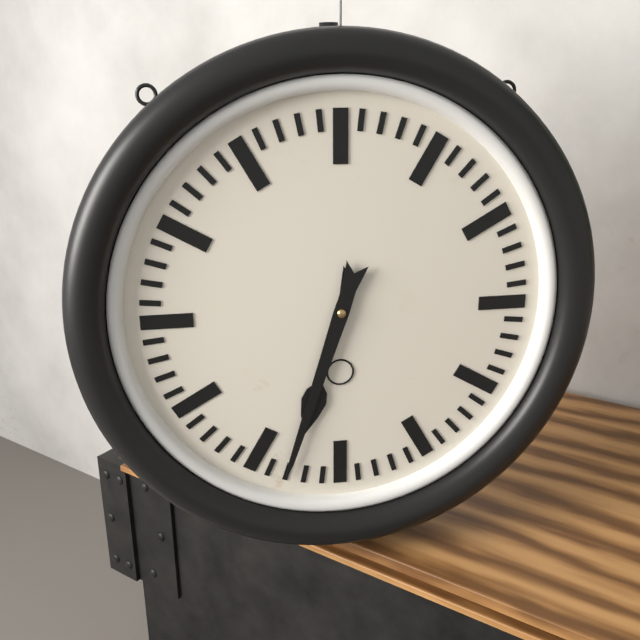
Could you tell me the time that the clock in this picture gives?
6:33
